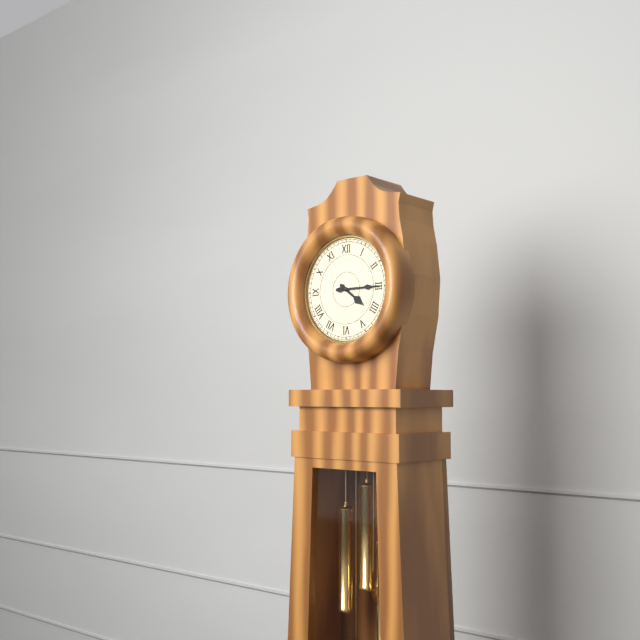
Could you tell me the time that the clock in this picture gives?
4:15
